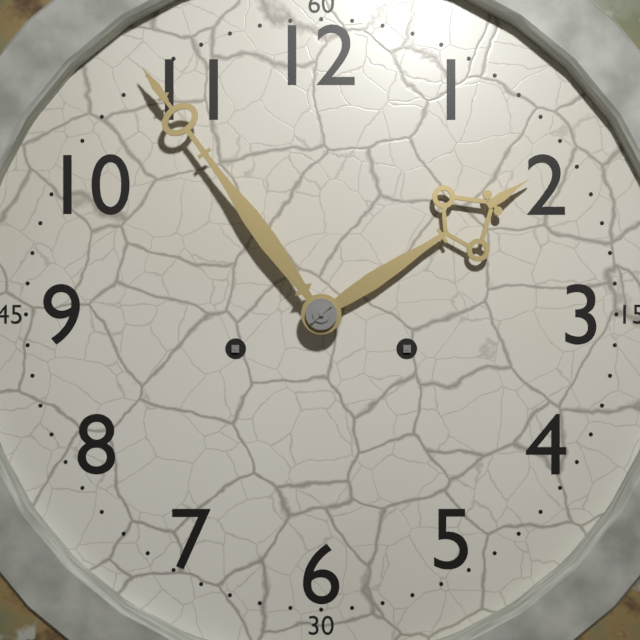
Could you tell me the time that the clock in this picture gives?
1:54
